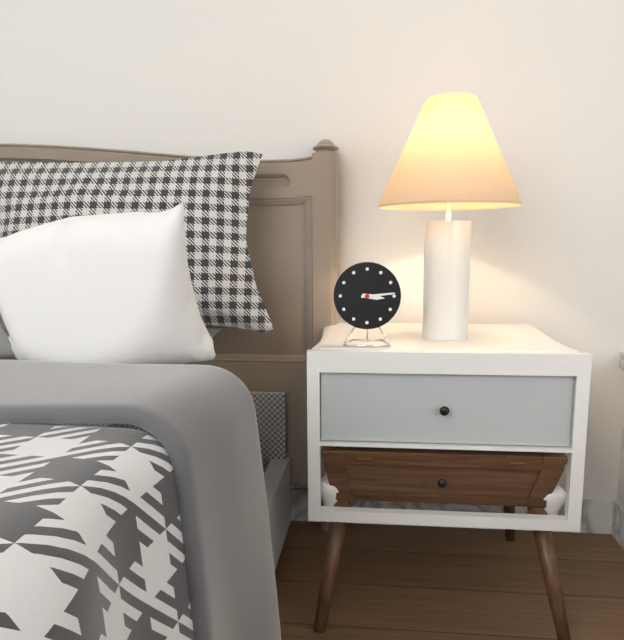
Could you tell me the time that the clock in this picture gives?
3:14
